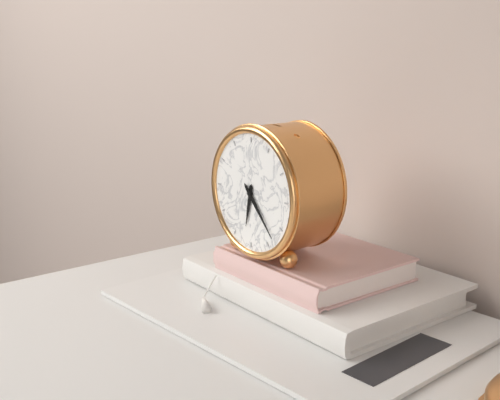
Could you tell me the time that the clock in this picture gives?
6:23
